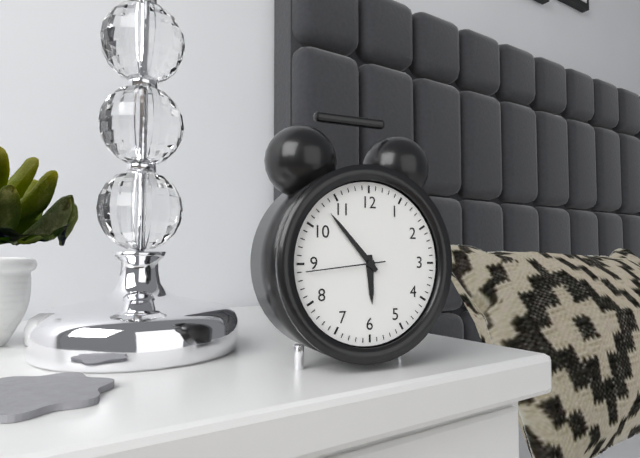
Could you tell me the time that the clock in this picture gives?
5:53:44
